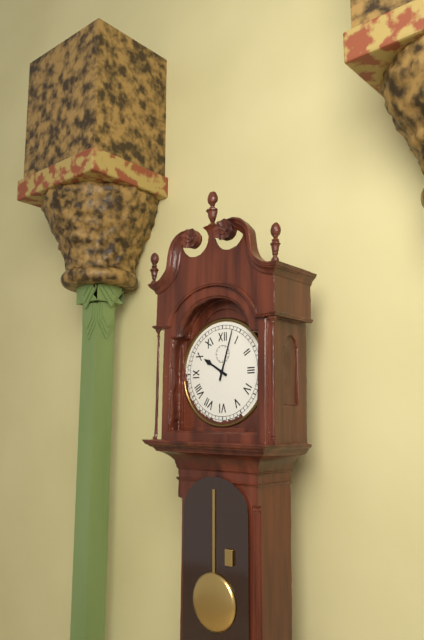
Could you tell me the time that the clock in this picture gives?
10:03
